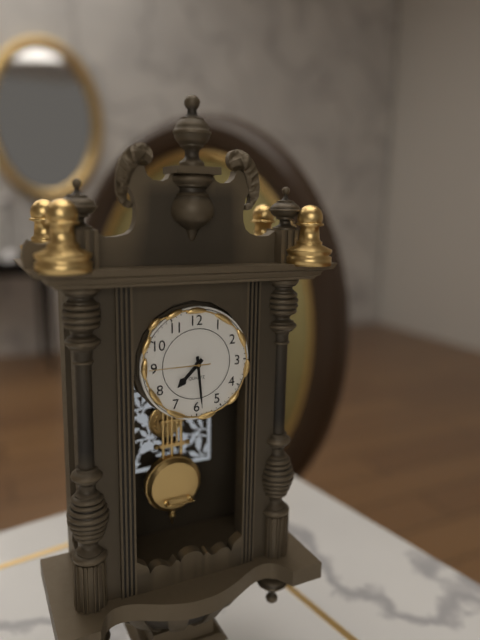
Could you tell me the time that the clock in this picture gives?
7:29:45
